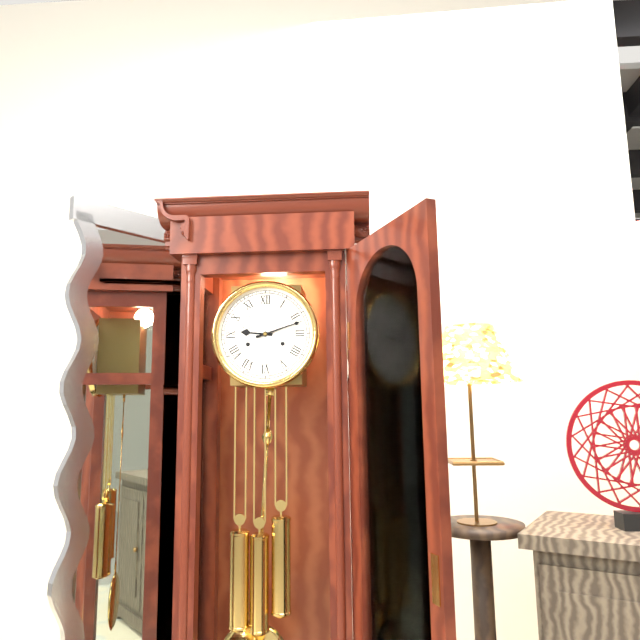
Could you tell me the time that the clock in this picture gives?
9:12
